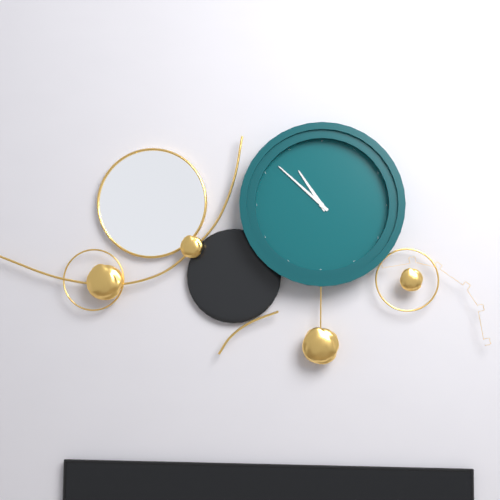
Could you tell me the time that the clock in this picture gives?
10:52
